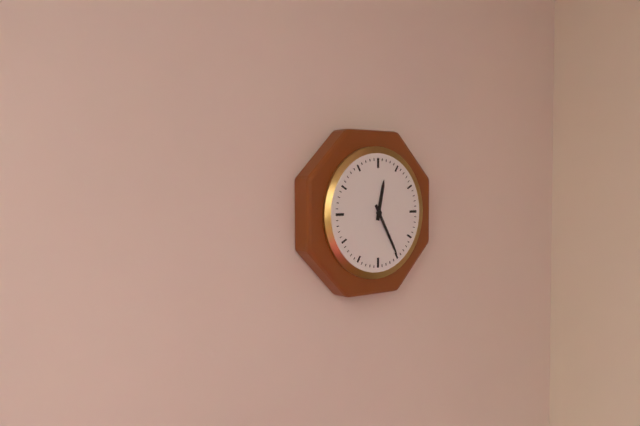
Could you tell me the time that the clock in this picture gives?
12:25
